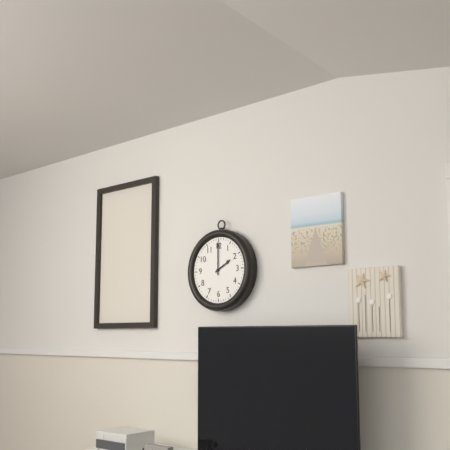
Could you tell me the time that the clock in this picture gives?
2:00
